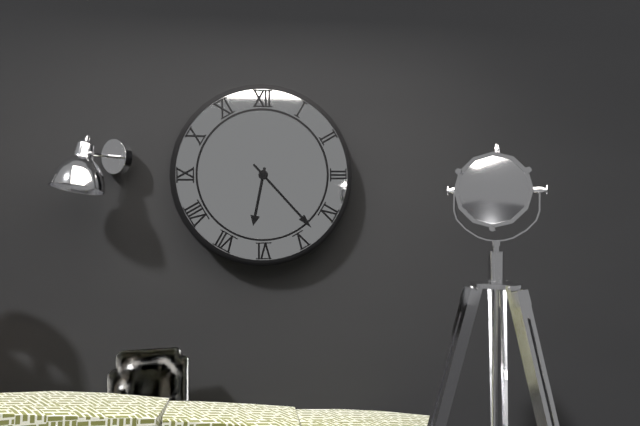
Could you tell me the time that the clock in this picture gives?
6:23
